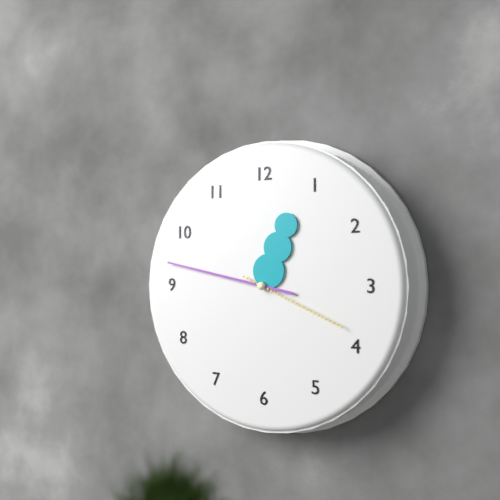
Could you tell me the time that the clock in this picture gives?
12:47:19
